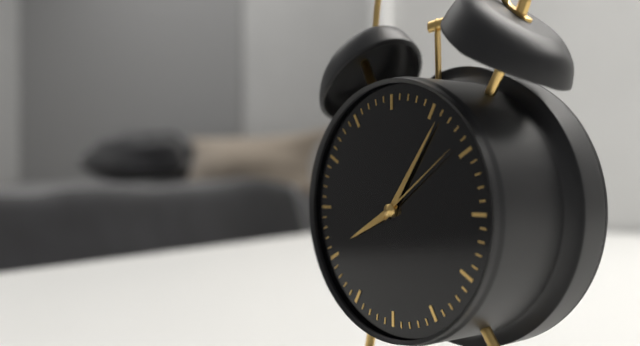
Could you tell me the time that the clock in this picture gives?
8:06:09
